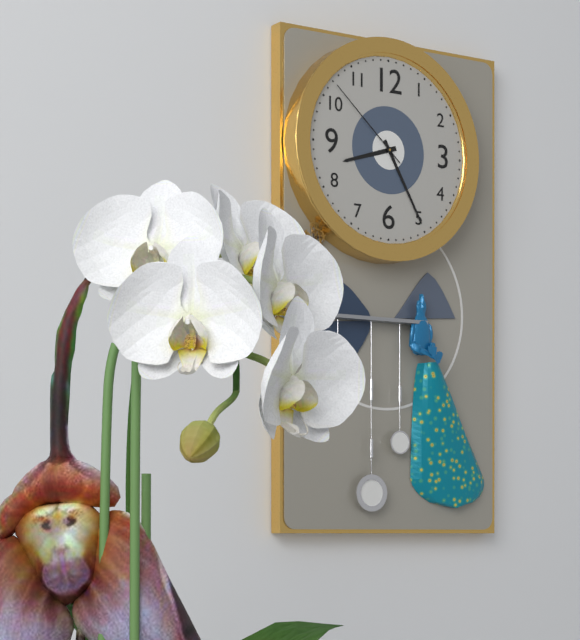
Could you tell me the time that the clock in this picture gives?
8:25:52
